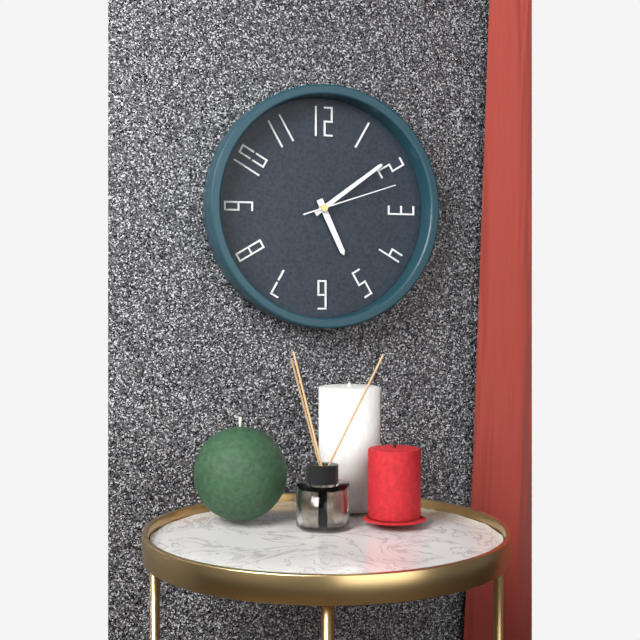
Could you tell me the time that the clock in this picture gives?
5:09:12
